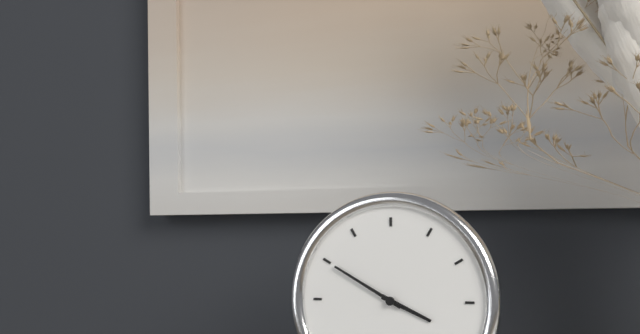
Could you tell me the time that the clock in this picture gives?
3:50
